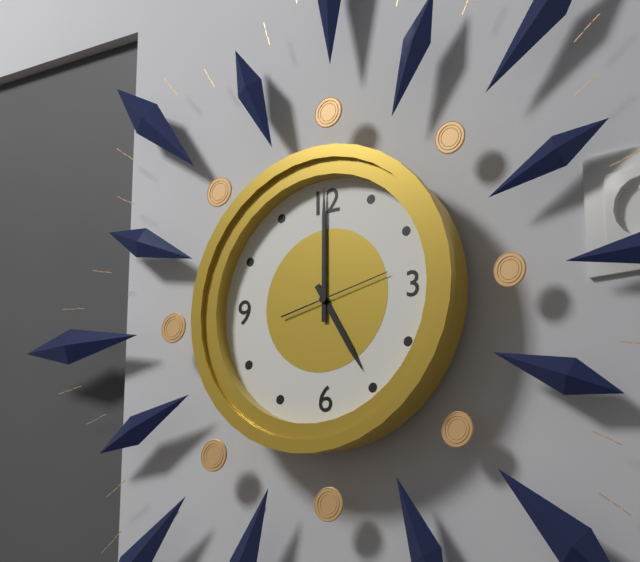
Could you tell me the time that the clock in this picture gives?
5:00:13
